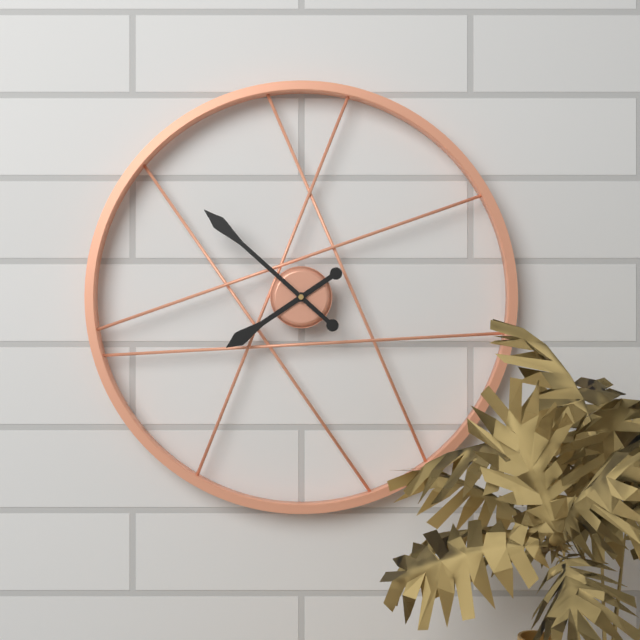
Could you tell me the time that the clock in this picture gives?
7:52
